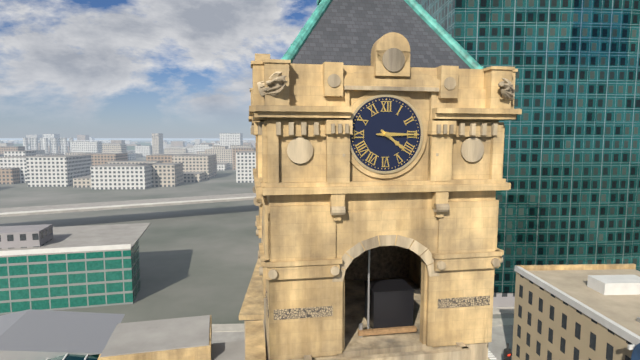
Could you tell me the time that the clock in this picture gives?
4:15
